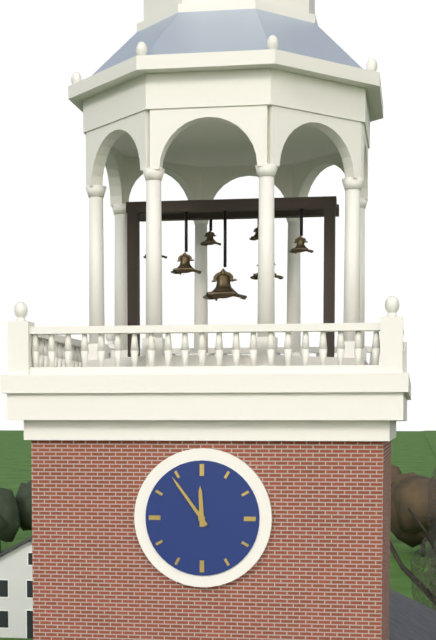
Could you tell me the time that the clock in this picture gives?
11:54
